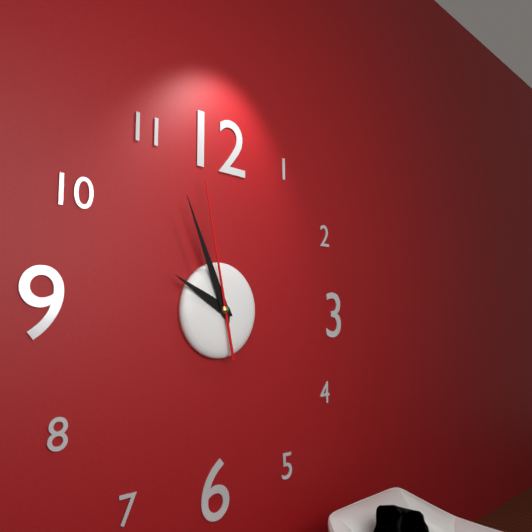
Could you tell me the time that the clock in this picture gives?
9:56:58
